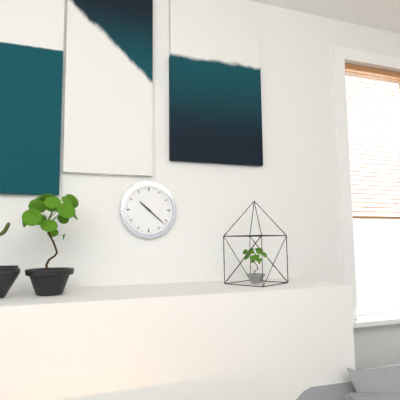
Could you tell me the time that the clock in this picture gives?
10:22
